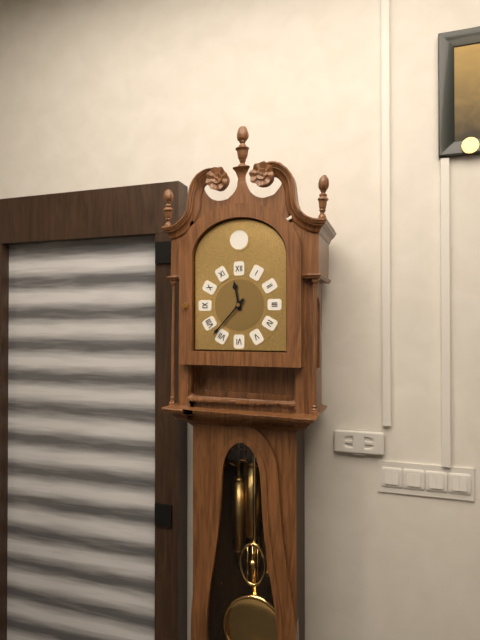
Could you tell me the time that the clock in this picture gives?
11:37
